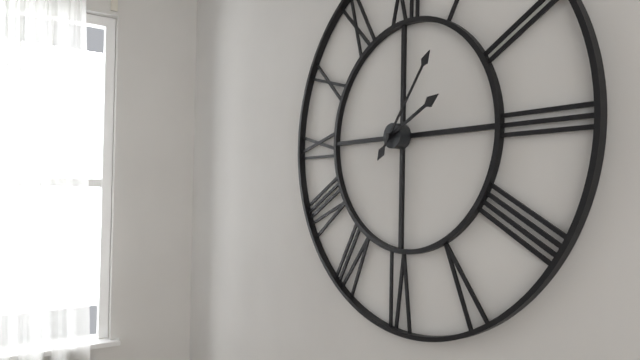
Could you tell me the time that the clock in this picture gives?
2:06
